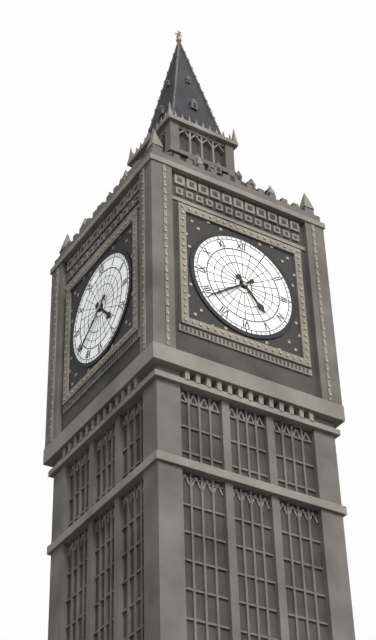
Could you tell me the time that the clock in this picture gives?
4:39
